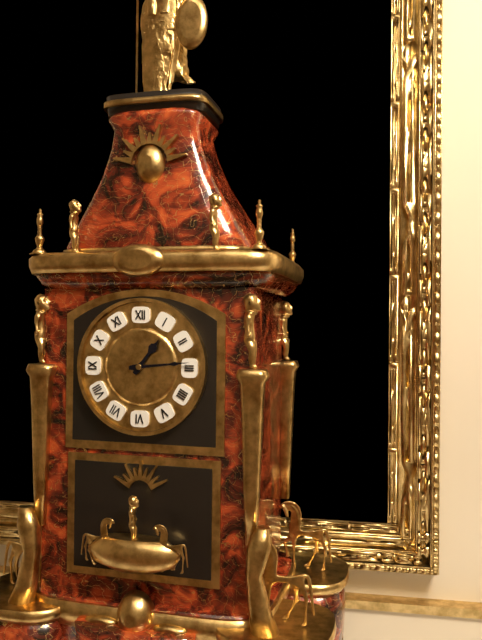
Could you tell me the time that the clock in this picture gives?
1:14
